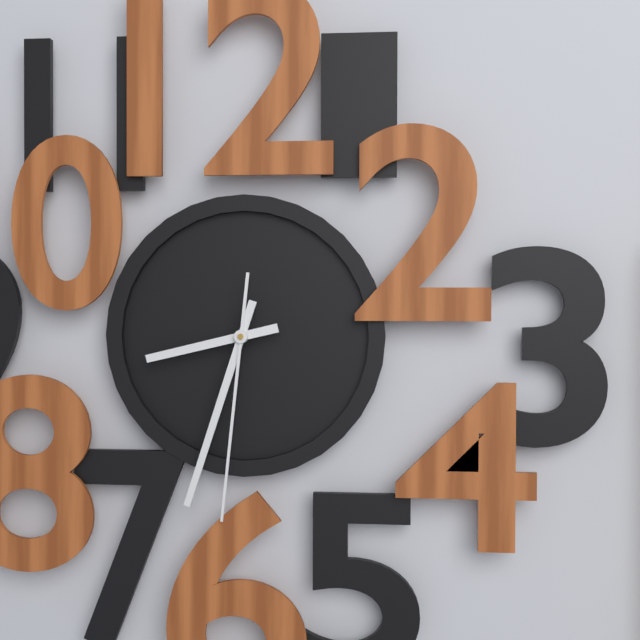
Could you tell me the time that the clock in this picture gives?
8:33:31
